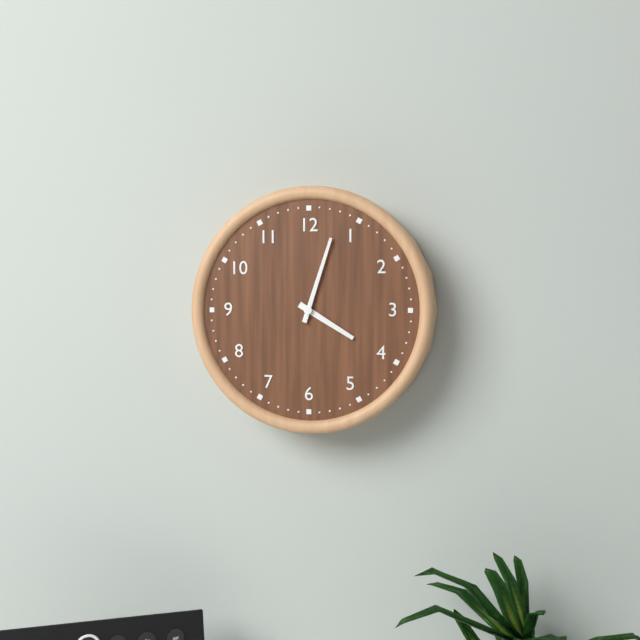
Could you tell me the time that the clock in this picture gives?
4:03
